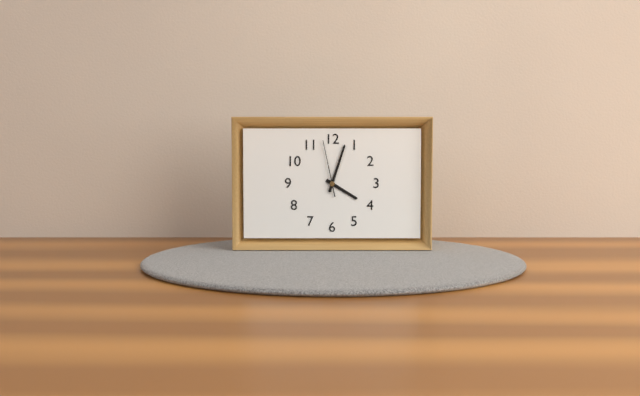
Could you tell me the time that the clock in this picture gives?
4:03:58
